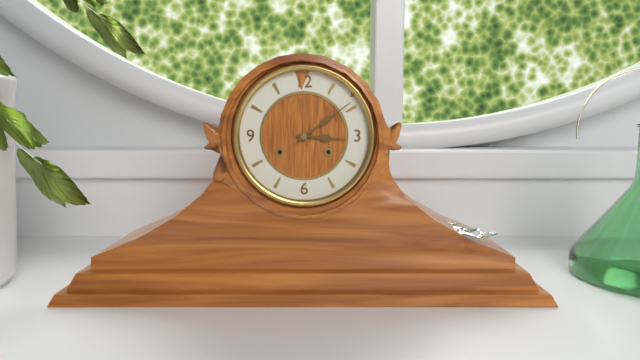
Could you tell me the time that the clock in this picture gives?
3:09
